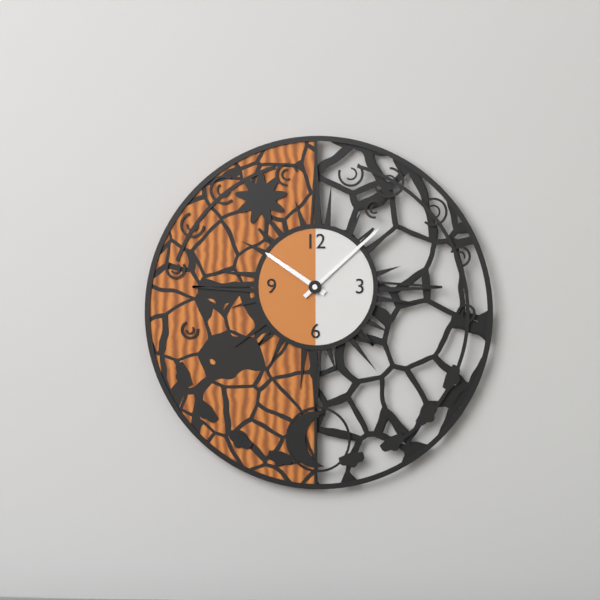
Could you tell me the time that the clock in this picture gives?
10:08
